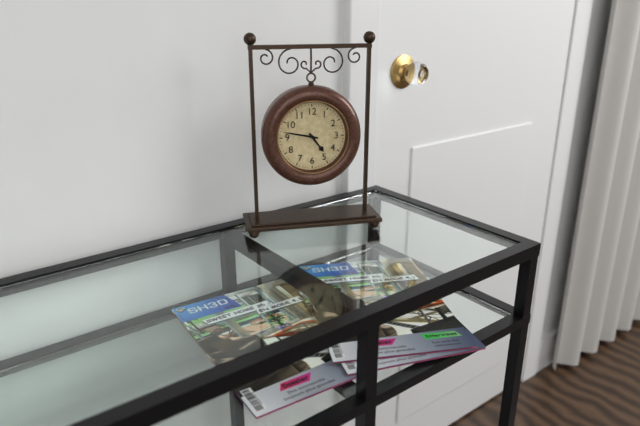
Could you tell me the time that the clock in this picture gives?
4:47
